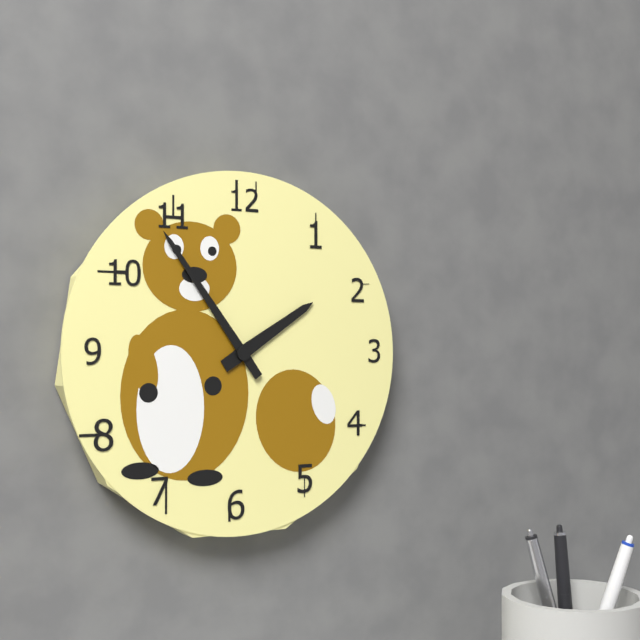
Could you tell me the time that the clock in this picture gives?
1:54
